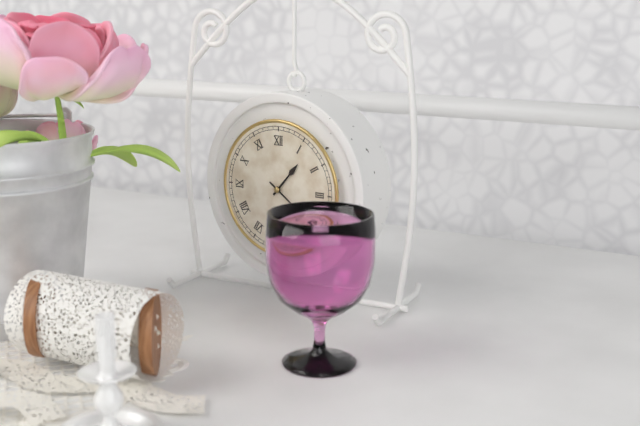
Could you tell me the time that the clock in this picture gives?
1:21
